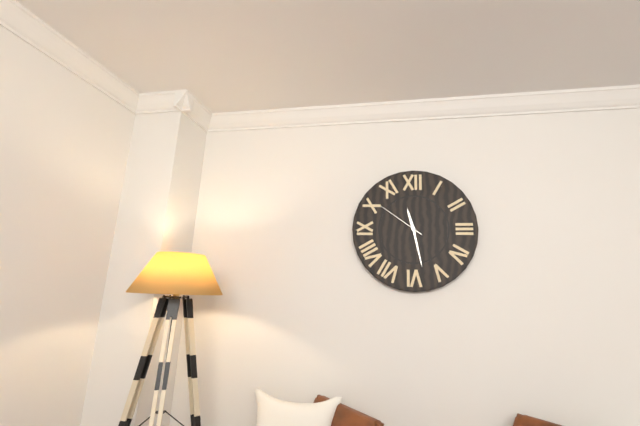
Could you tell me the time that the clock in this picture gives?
11:28
